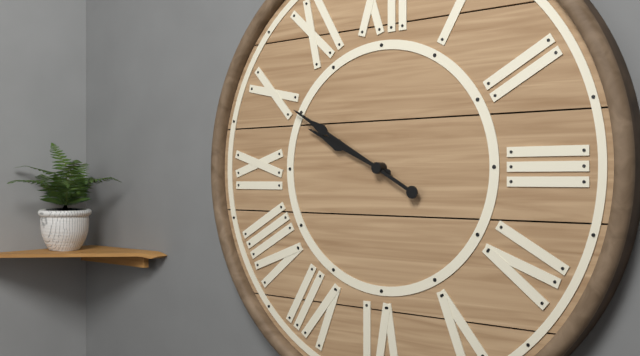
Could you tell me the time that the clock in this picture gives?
9:50
